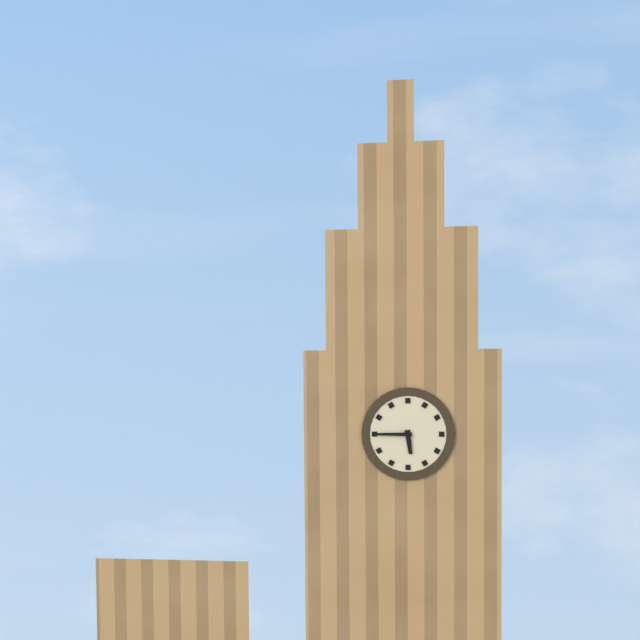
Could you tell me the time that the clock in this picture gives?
5:45
